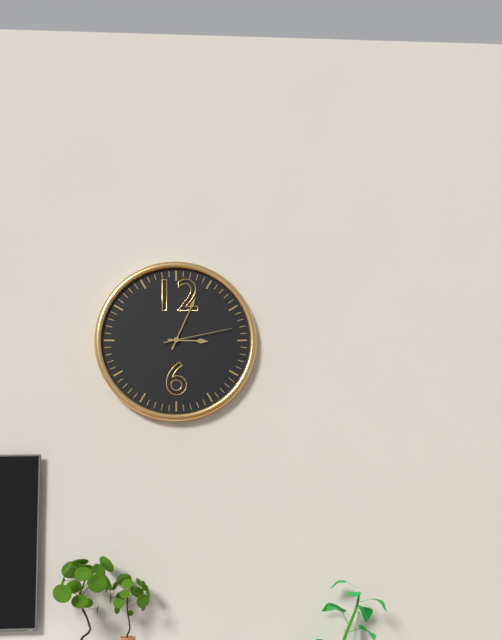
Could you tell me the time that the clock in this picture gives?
3:04:13
